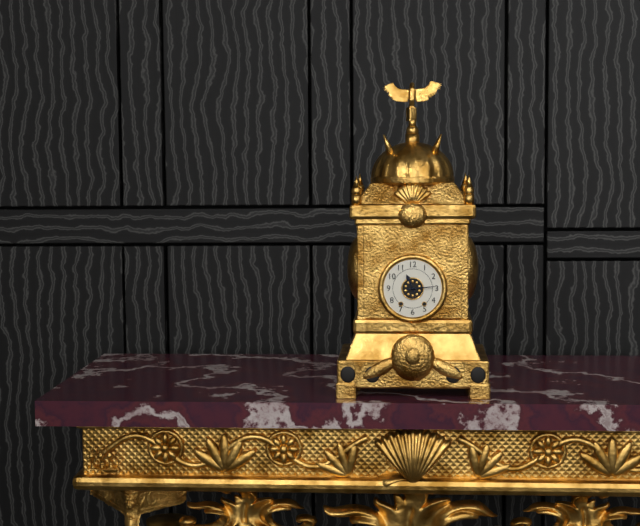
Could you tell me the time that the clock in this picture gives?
11:14
